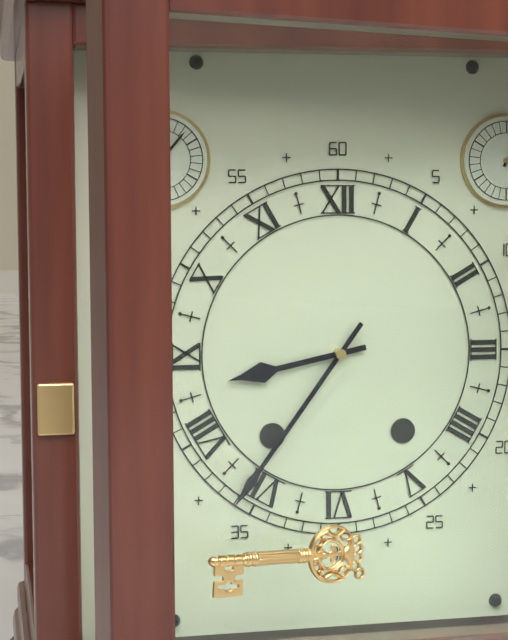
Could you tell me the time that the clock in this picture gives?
8:36
